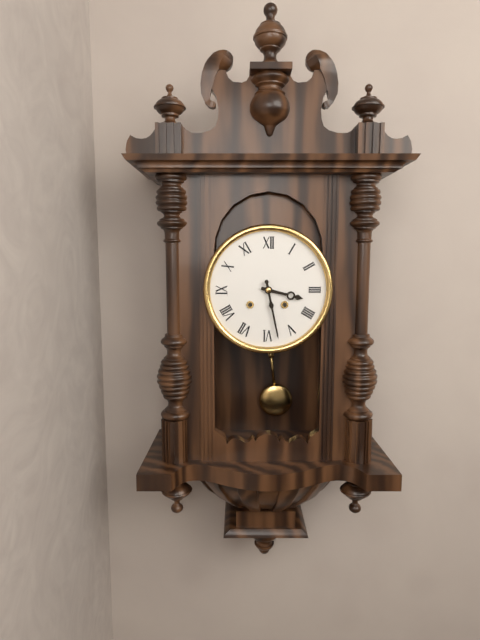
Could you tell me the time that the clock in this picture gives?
3:28
